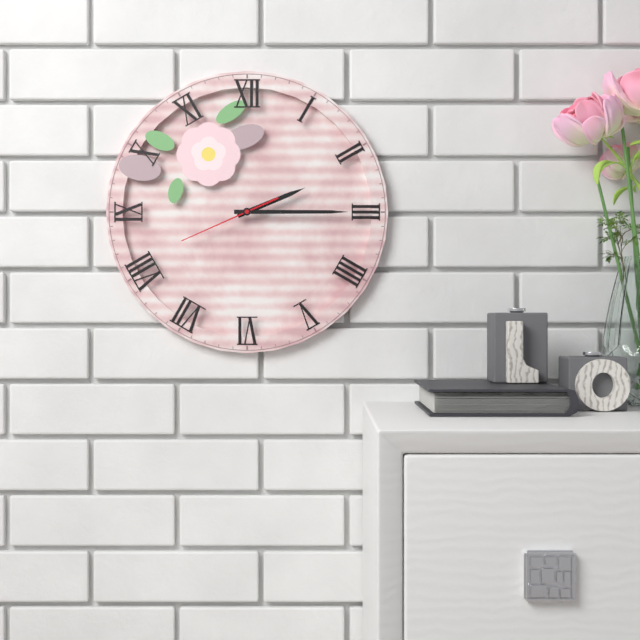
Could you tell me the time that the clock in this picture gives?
2:15:41
